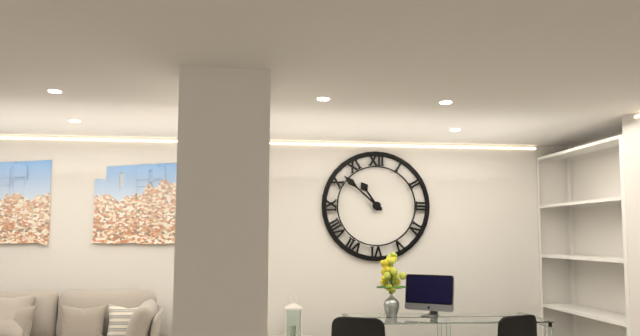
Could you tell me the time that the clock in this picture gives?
10:52
